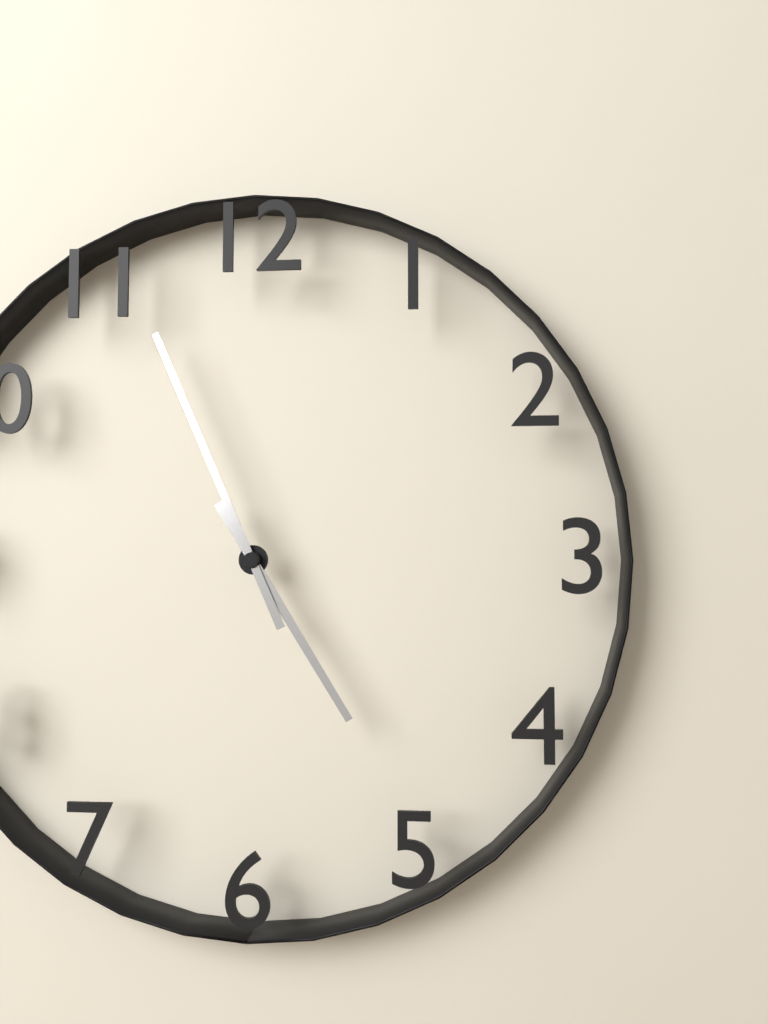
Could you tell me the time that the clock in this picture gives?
4:56
